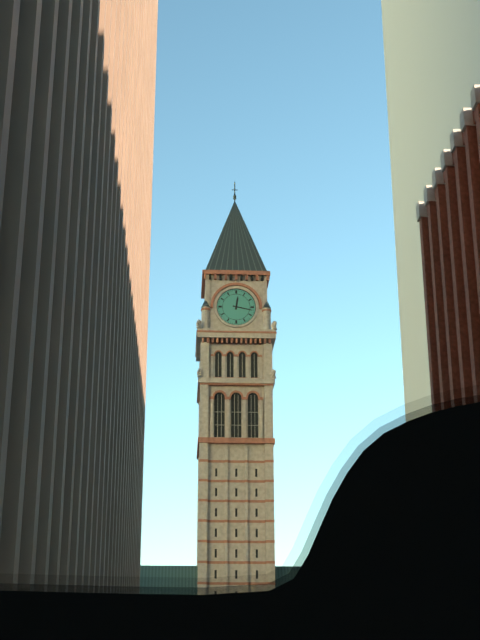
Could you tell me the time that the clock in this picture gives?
12:17
